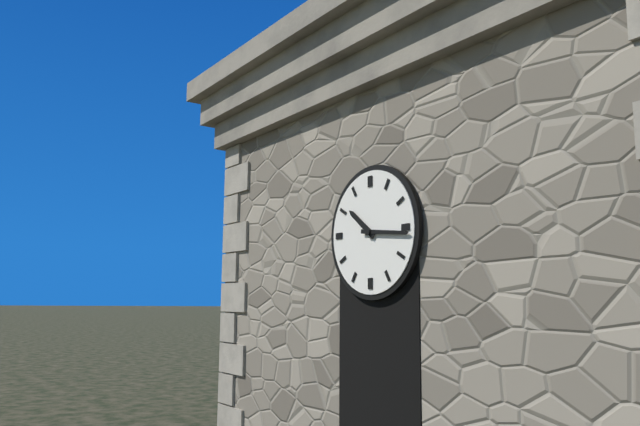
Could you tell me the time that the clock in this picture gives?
10:16
